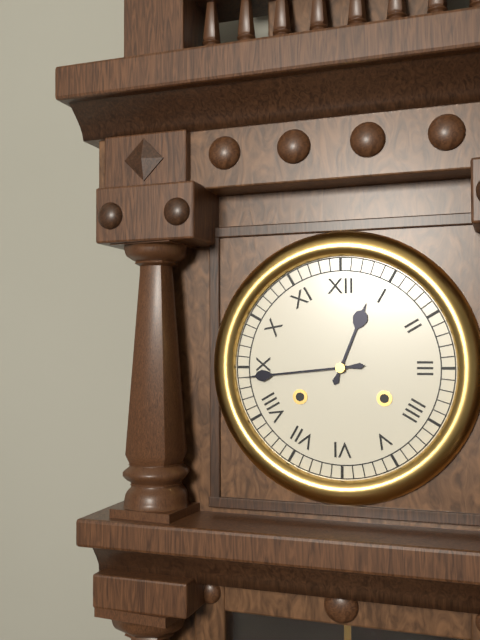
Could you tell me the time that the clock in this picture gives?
12:44
